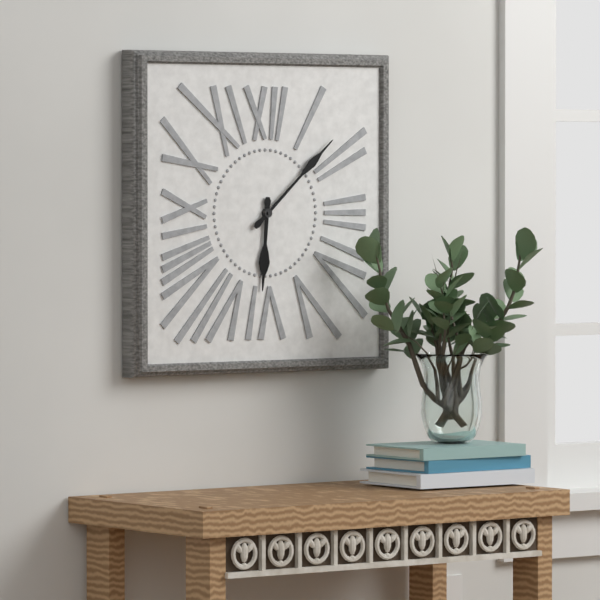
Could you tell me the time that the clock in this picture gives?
6:08
